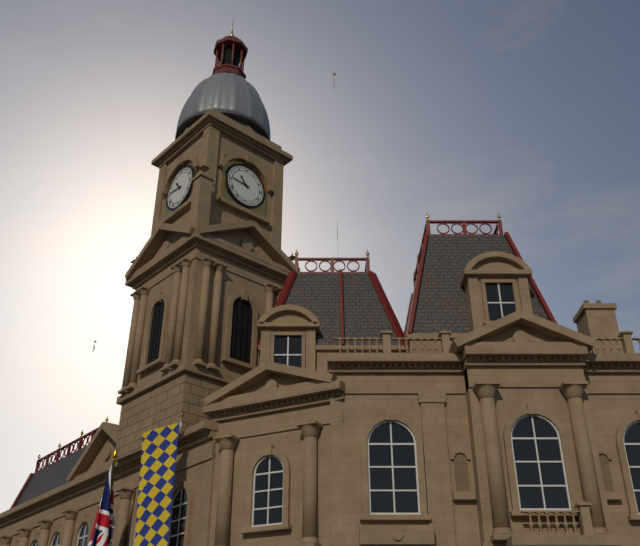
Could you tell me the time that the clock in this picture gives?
10:46
